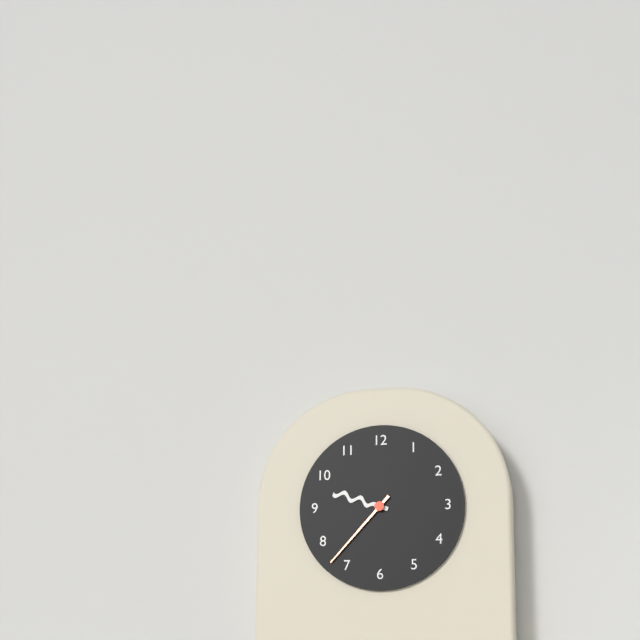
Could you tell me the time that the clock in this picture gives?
9:37
